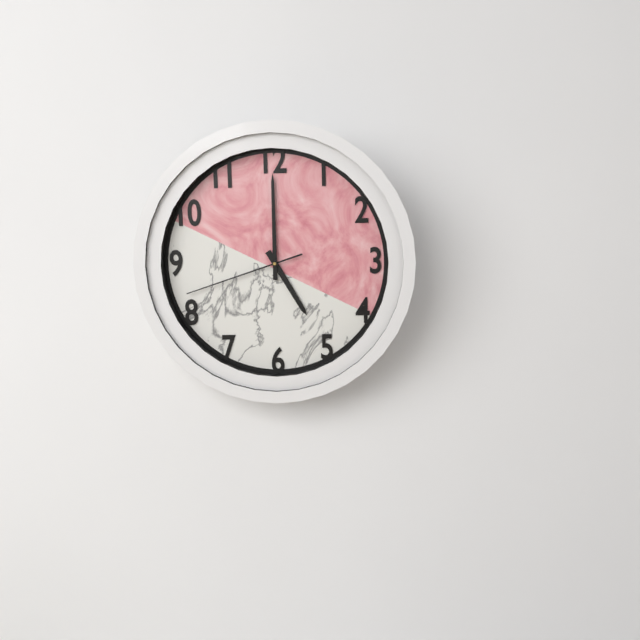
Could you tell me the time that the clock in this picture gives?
5:00:42
